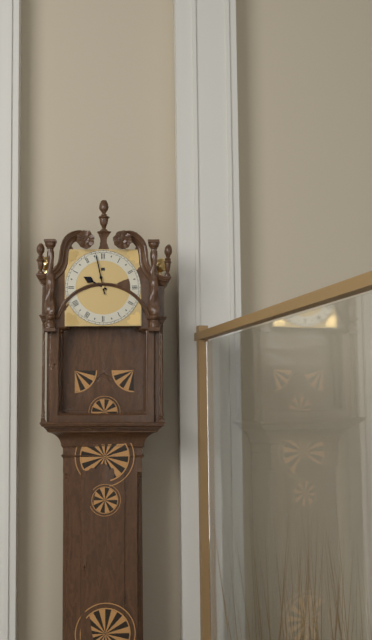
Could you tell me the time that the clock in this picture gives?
9:58
